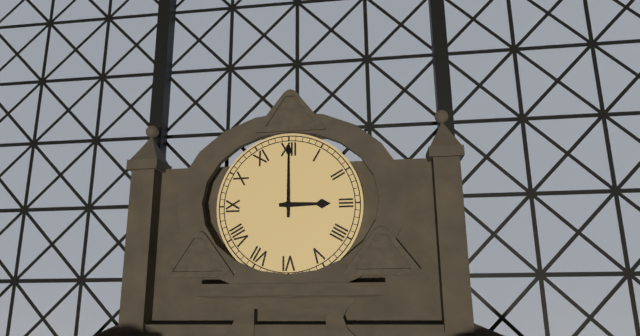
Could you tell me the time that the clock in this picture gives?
3:00
